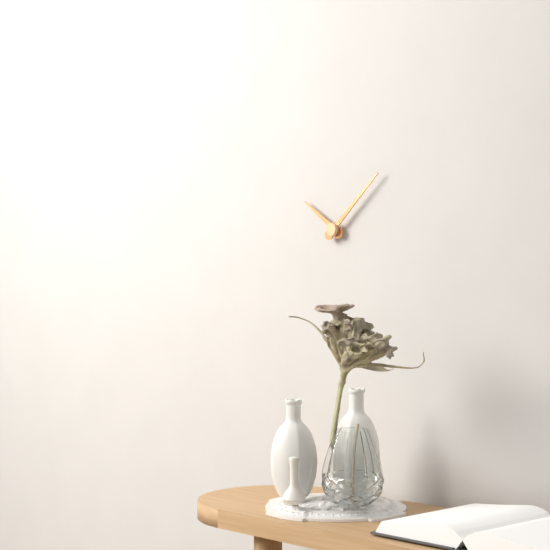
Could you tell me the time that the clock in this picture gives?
10:08
